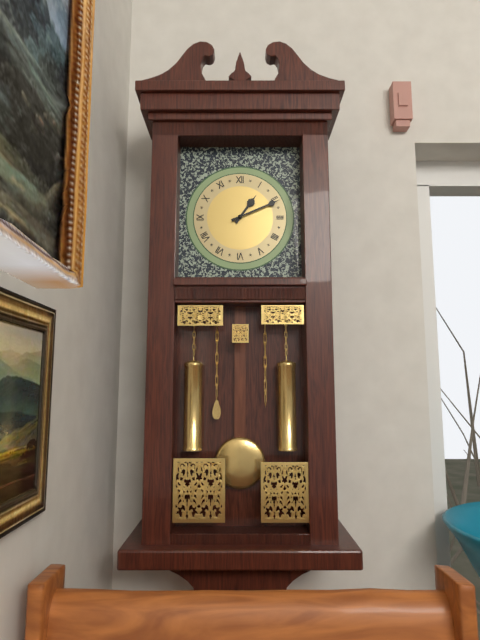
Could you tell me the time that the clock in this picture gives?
1:11
